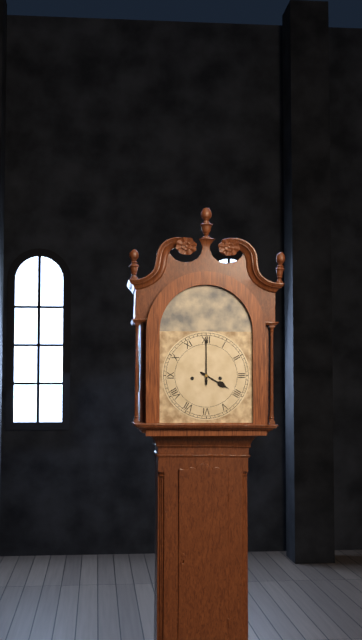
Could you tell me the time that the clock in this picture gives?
4:00
